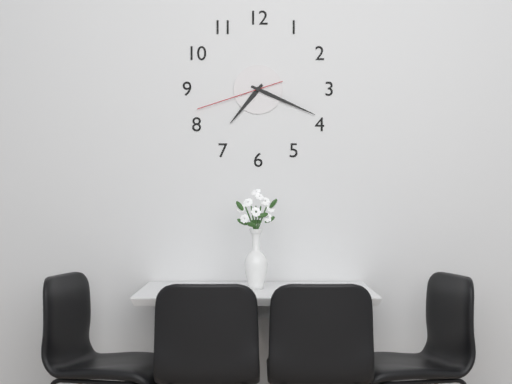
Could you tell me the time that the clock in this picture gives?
7:19:42
